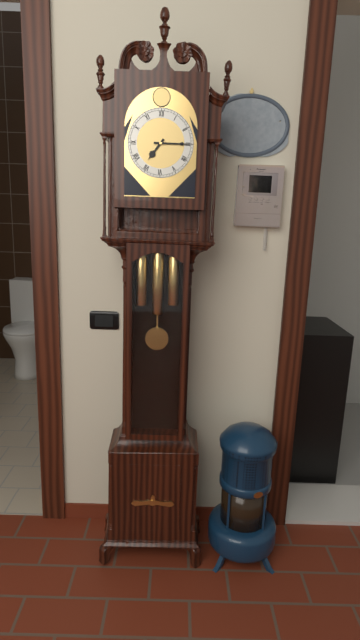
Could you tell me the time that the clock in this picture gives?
7:15
